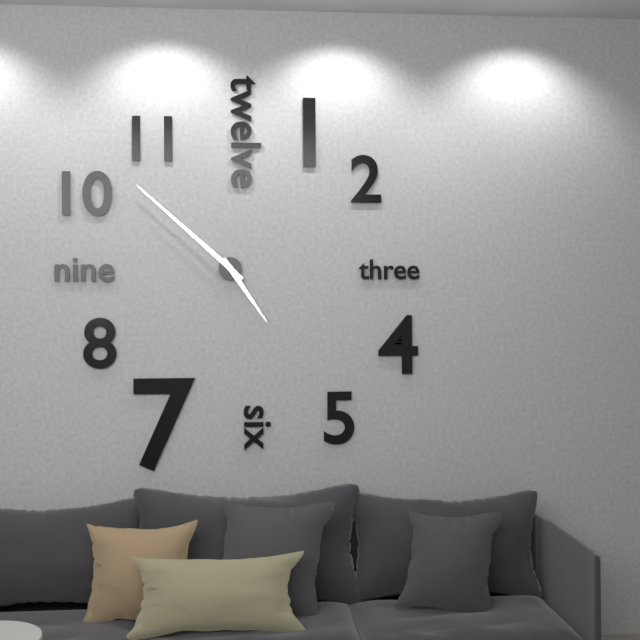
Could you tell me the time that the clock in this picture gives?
4:52
